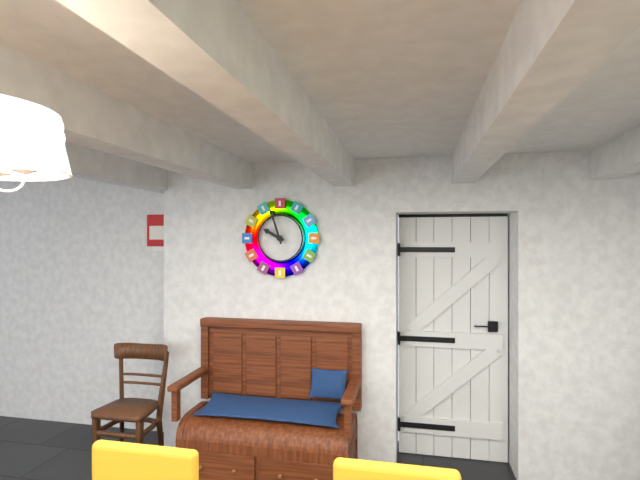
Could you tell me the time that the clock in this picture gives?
9:57
